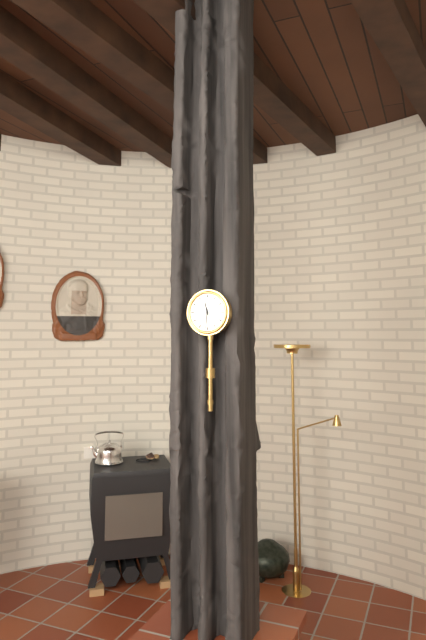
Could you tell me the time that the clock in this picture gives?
11:31
